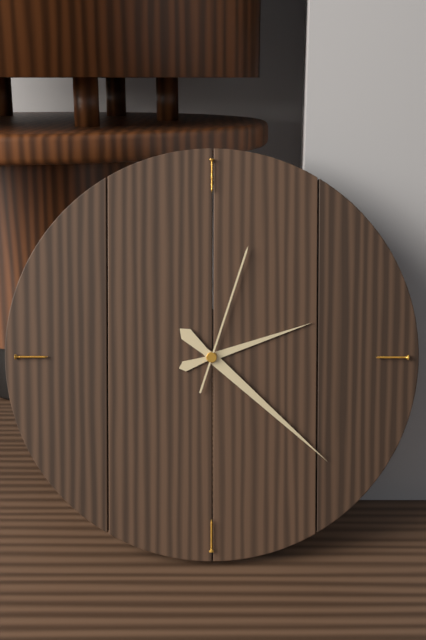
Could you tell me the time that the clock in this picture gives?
2:22:03
